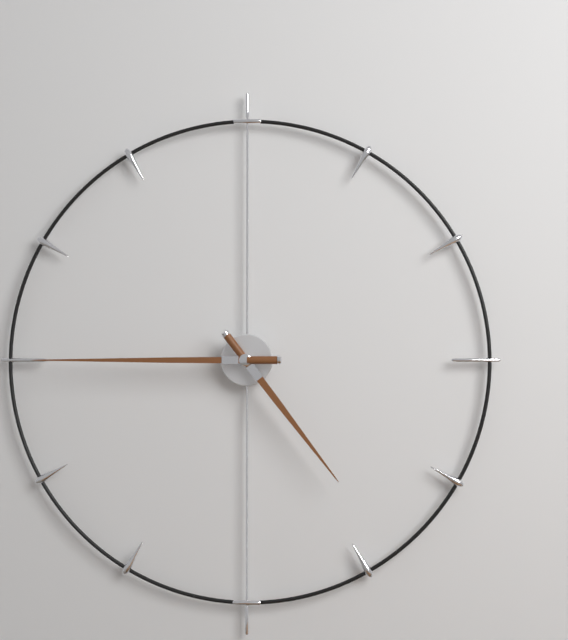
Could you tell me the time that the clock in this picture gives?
4:45
